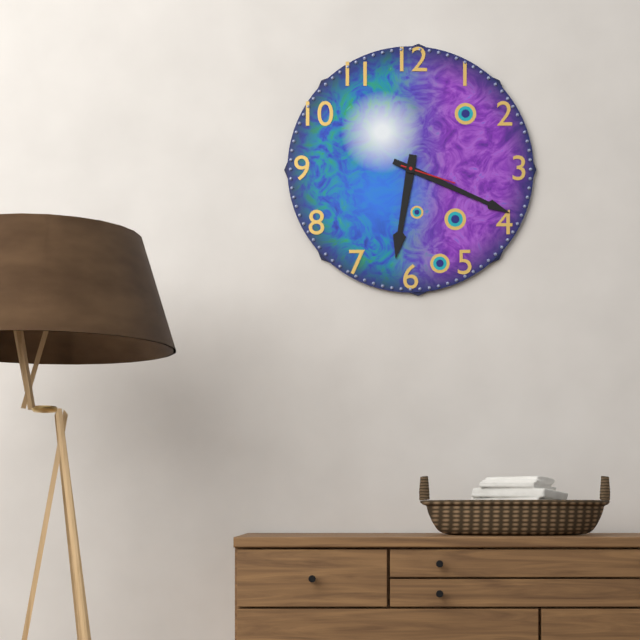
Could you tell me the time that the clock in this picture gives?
6:19:18
